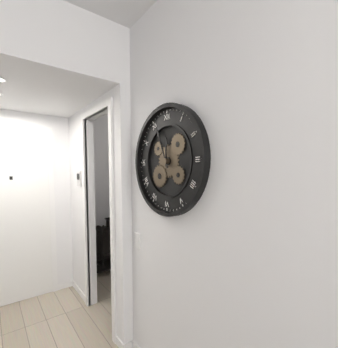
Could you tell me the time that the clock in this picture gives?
11:56
